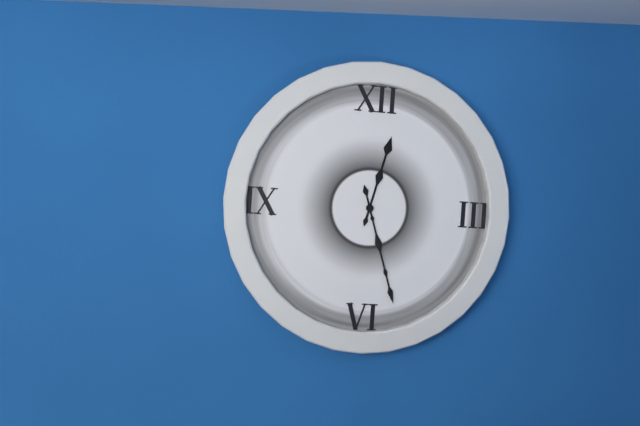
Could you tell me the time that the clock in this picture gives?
12:27
